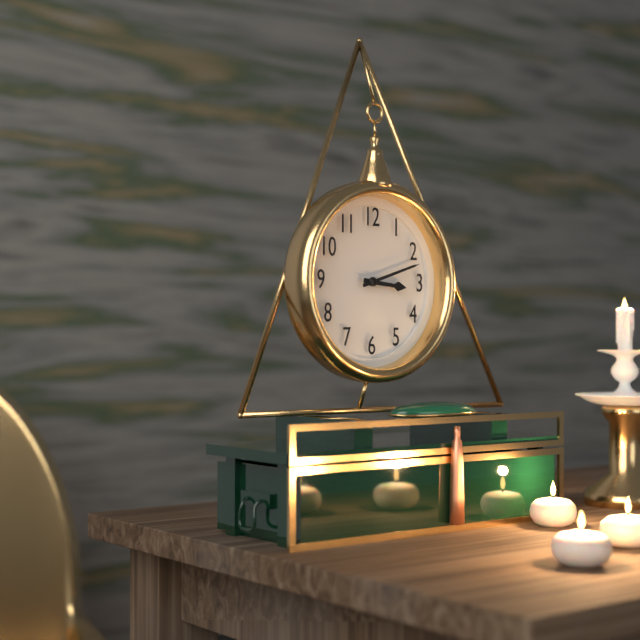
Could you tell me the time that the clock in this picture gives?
3:12
